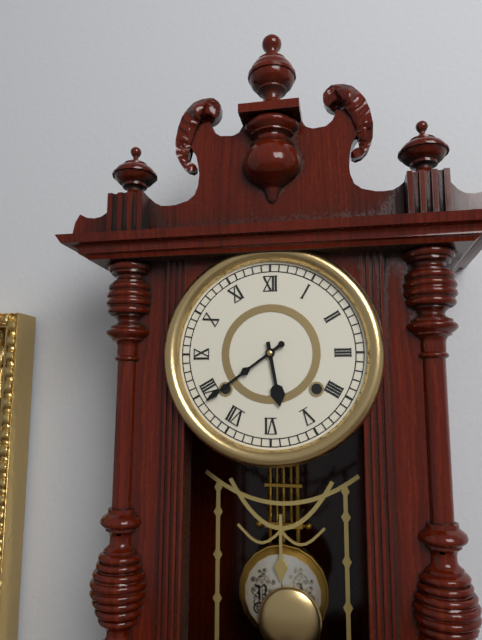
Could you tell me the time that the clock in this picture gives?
5:39
